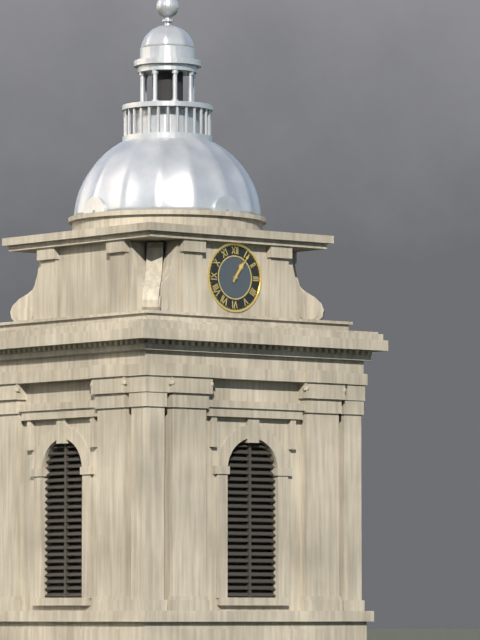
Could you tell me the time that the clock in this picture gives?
1:06
